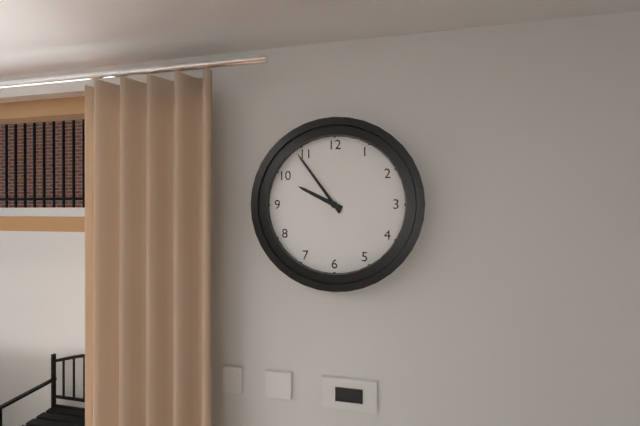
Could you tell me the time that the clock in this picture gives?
9:54
